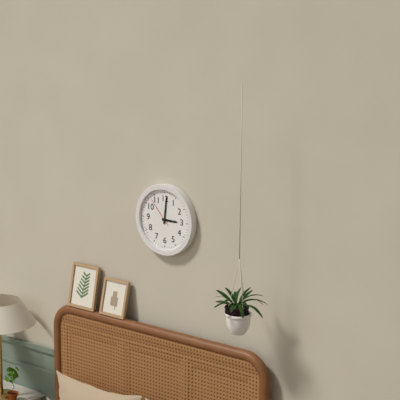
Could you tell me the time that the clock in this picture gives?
3:01
